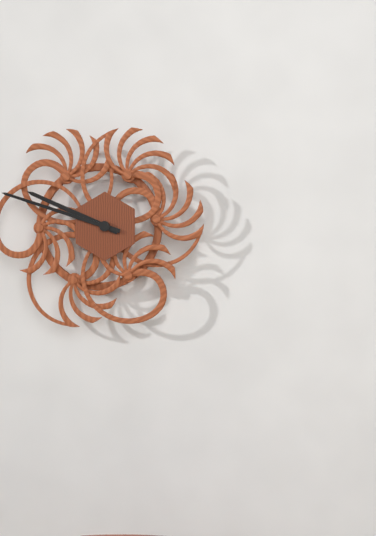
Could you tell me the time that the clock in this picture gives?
9:48
